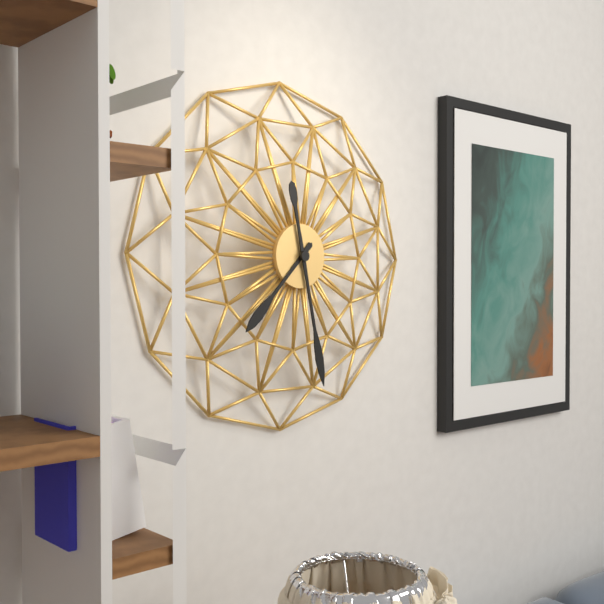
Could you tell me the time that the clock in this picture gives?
7:28
